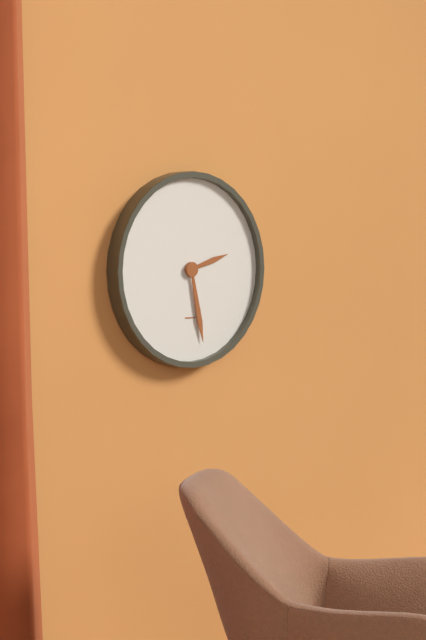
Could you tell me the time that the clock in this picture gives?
2:28
